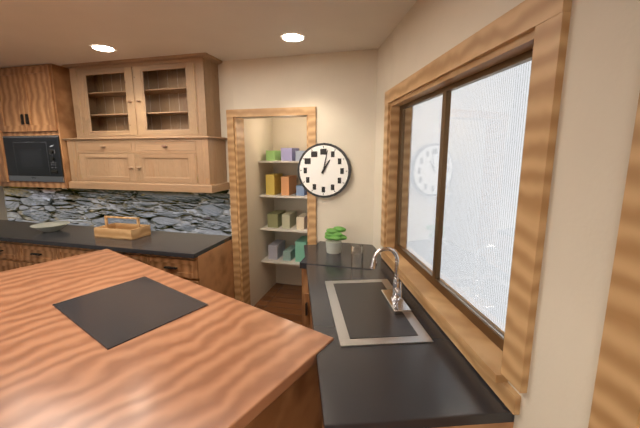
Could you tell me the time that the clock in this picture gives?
1:02
